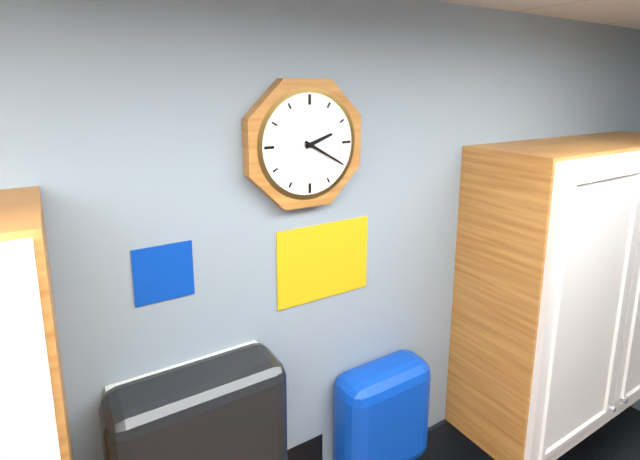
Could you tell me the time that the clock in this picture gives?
2:20
